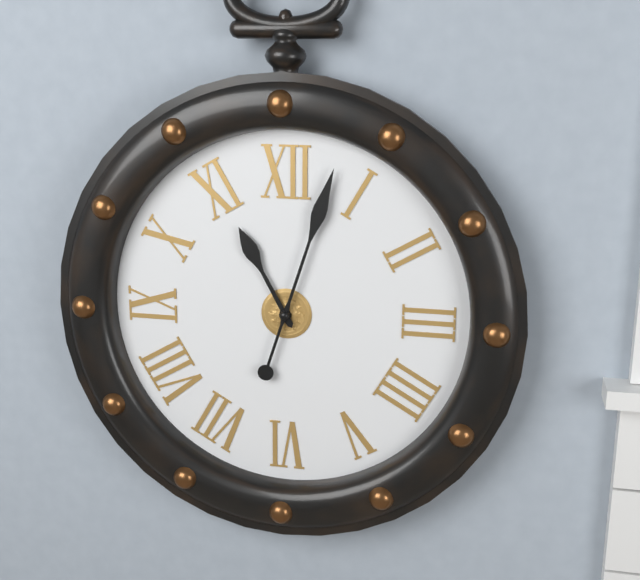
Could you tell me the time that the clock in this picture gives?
11:03
